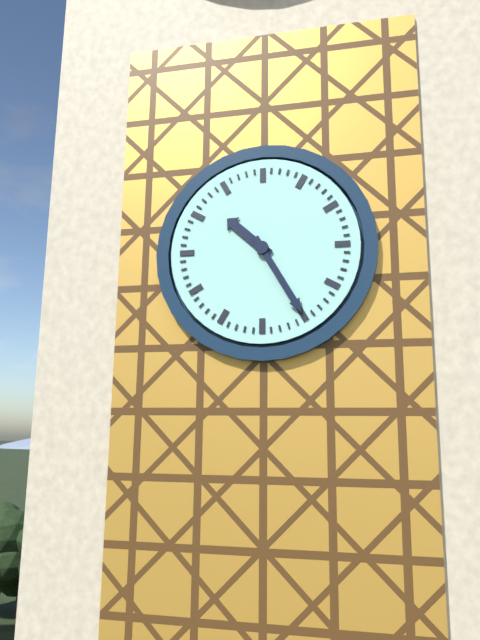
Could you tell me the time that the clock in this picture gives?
10:25
